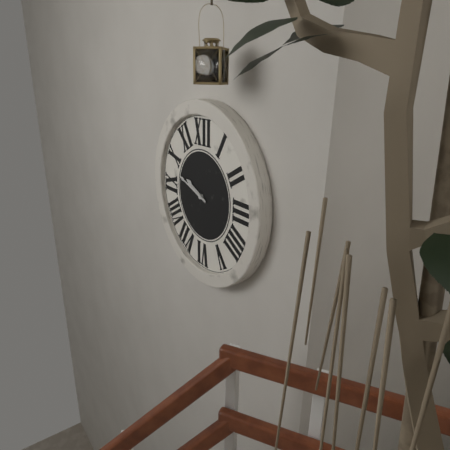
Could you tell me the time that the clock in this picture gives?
9:48
